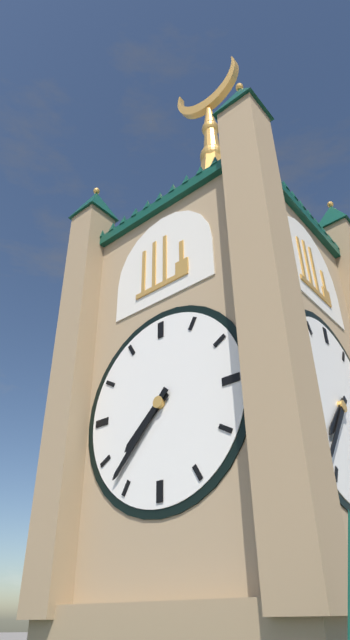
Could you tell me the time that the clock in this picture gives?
7:37
